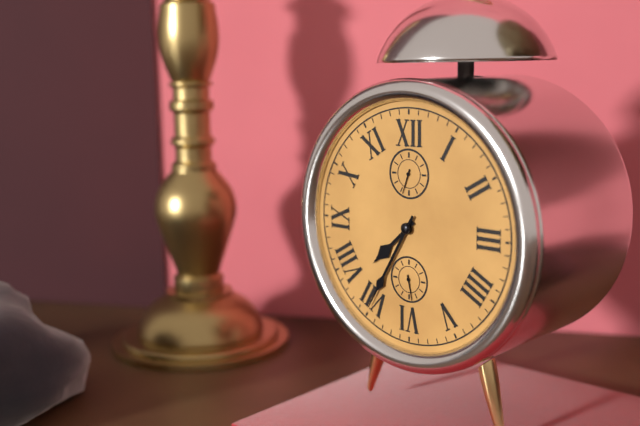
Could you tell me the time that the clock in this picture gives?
7:35
